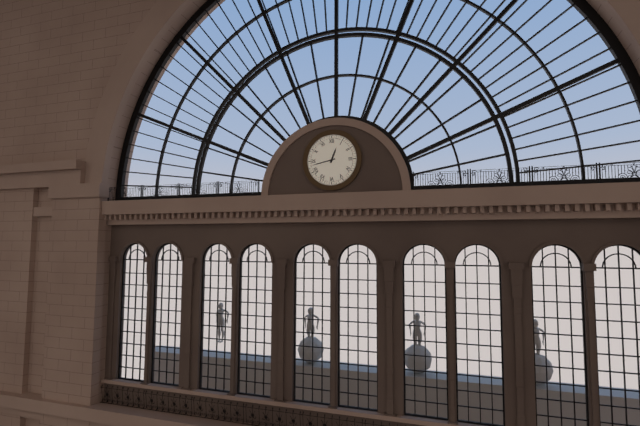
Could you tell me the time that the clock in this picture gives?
12:43
